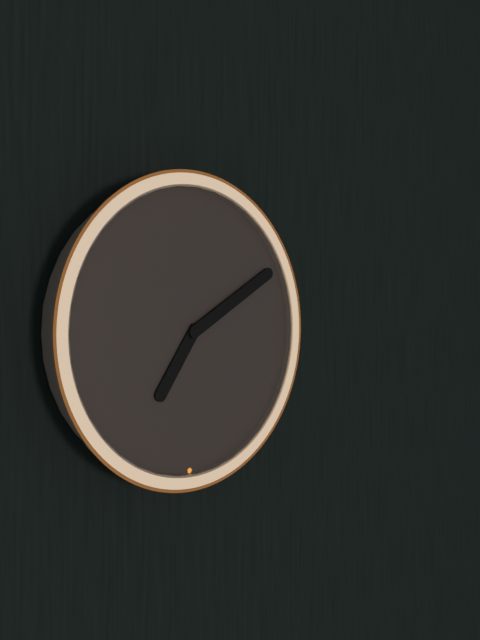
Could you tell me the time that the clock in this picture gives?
7:10
